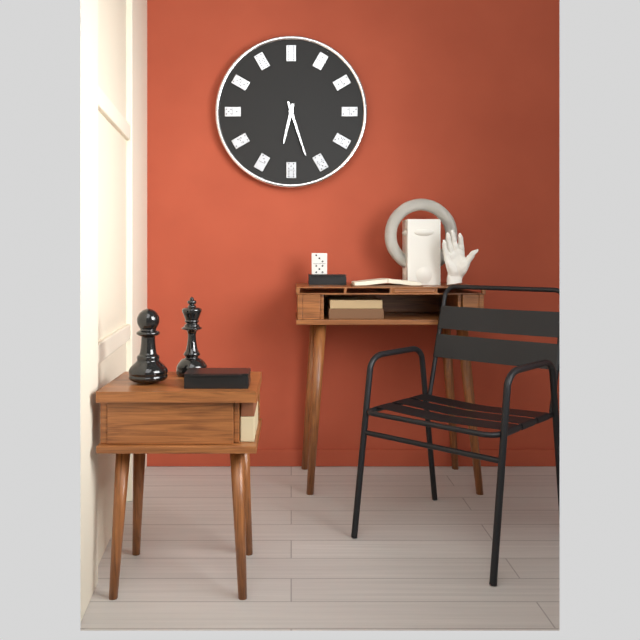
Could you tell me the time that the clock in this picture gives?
6:27
